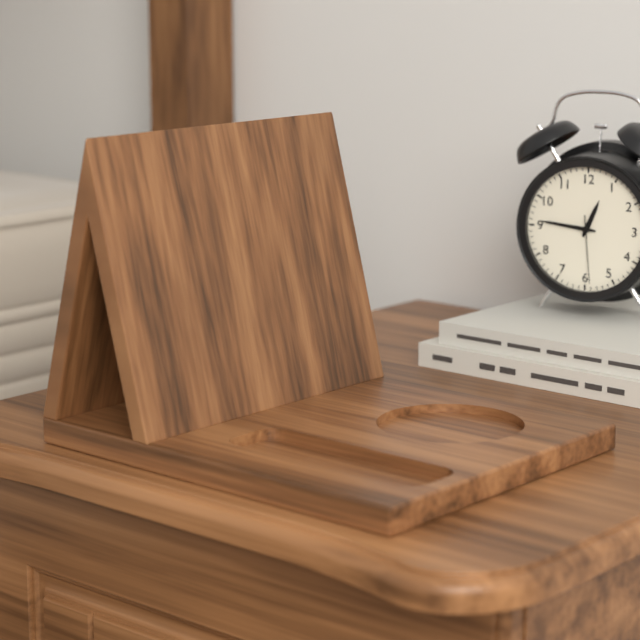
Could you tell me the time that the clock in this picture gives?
12:46:29
